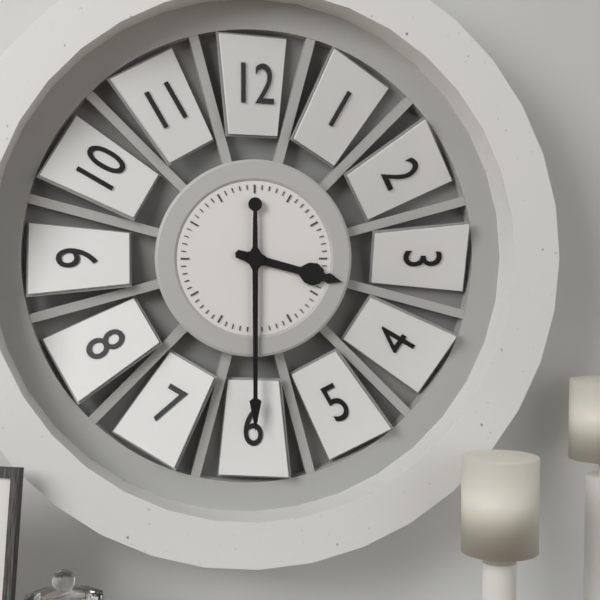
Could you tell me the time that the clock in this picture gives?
3:30
